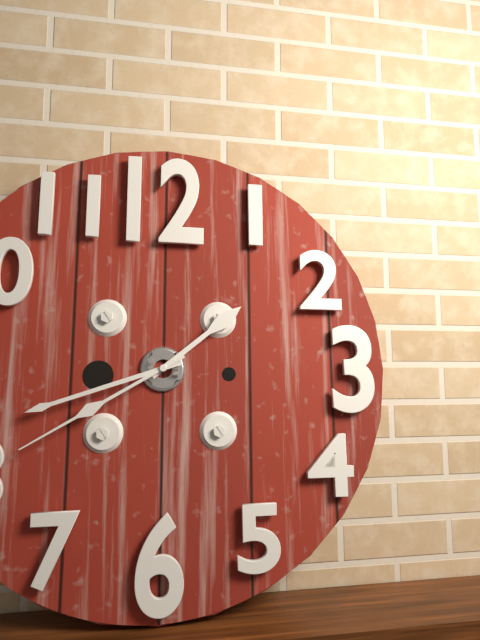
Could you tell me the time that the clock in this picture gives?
1:42:40
